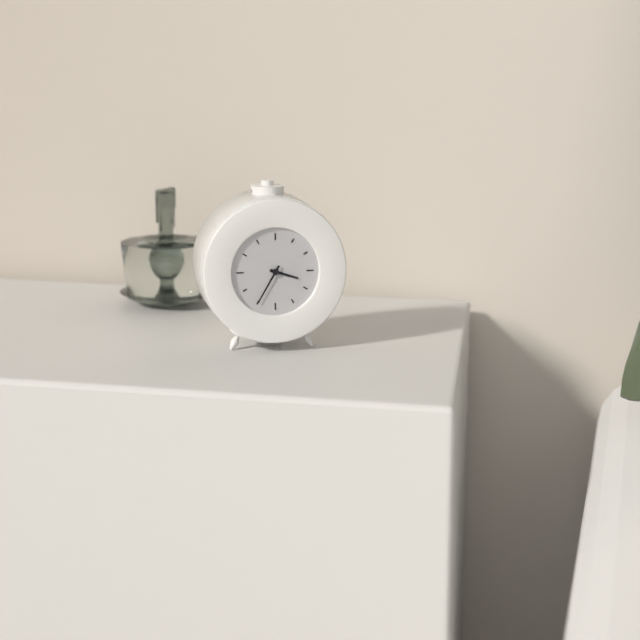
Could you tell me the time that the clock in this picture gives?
3:35
